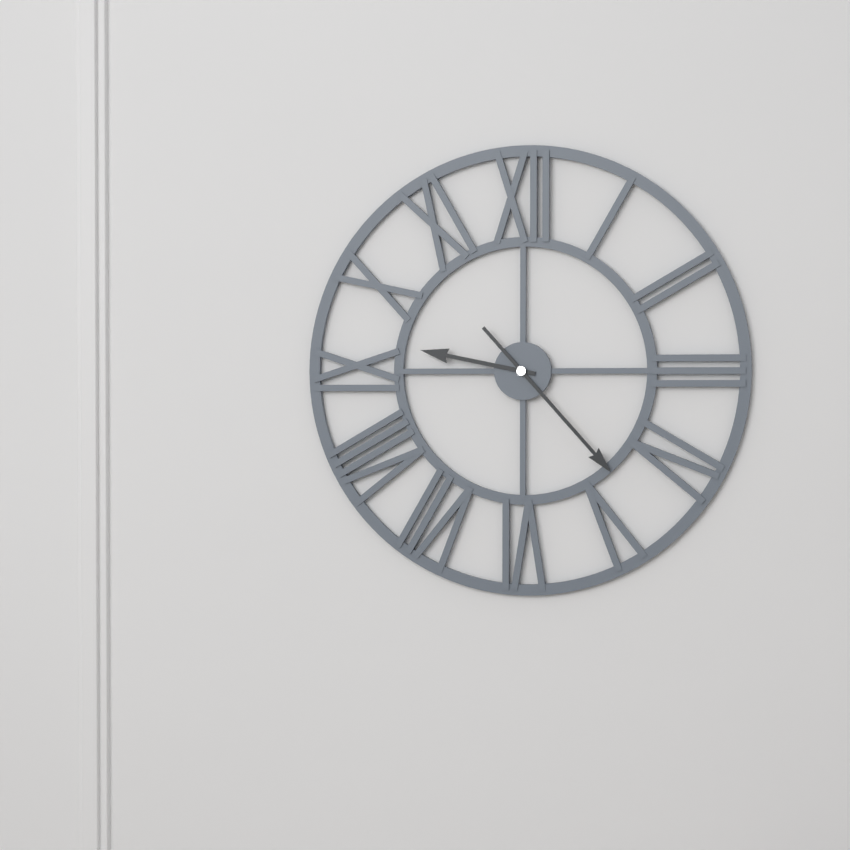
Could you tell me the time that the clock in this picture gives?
9:23
